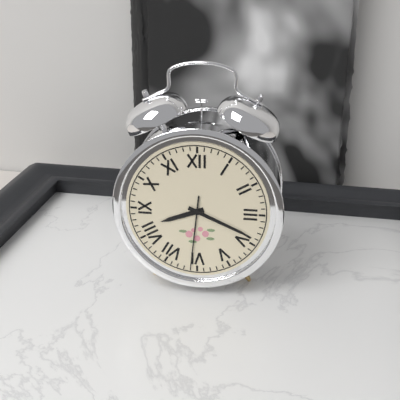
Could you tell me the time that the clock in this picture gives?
8:19:31
